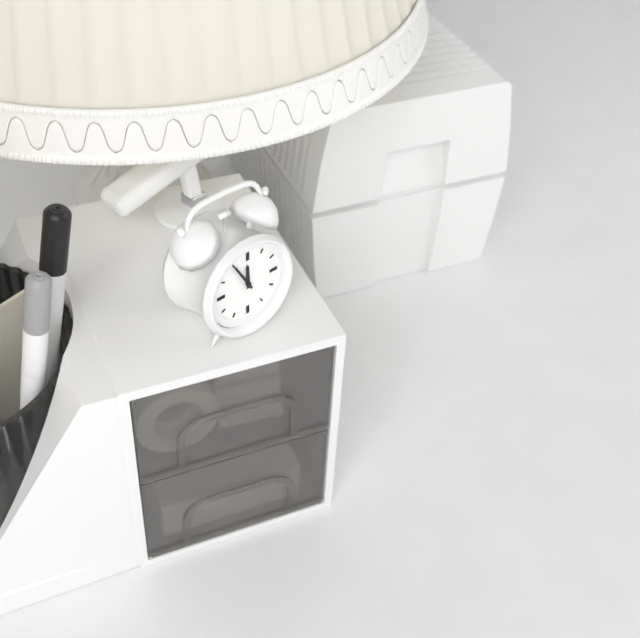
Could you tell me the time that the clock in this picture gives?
11:55
